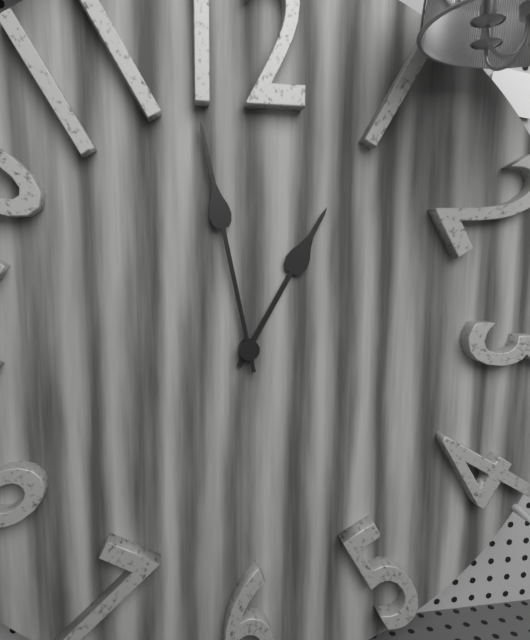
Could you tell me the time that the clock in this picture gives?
12:58
